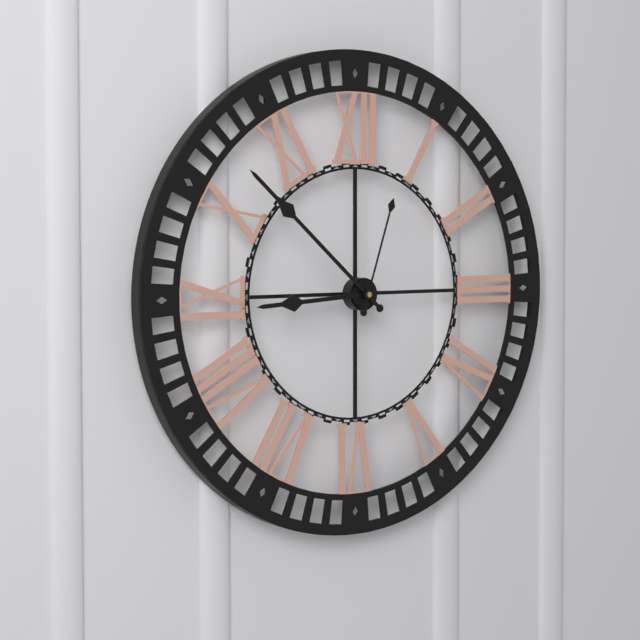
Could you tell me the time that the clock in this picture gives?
8:52:03
